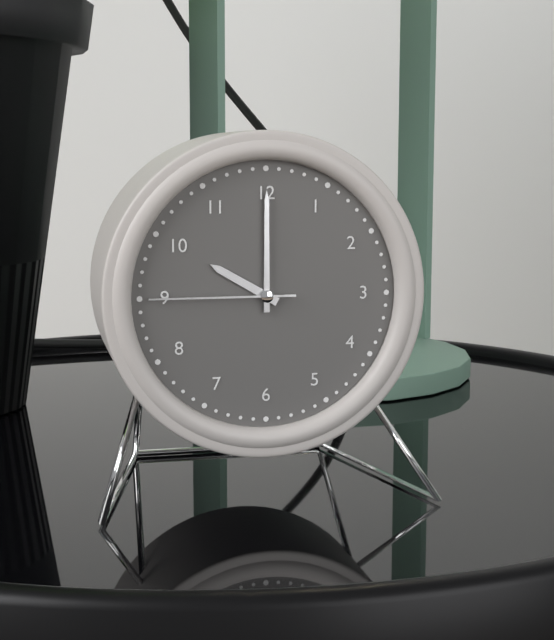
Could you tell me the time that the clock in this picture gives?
10:00:45
